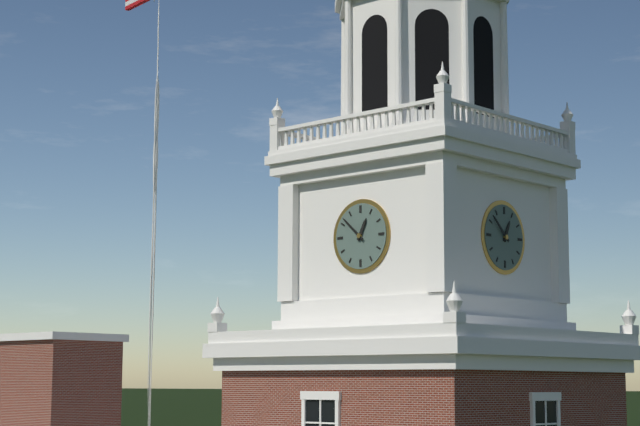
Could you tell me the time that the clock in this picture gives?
12:52
